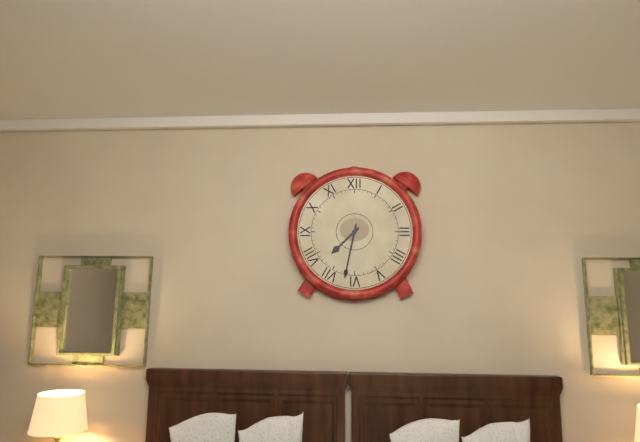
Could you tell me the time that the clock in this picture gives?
7:32
